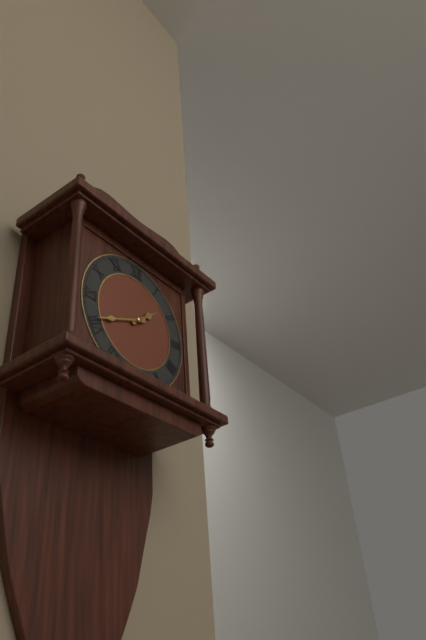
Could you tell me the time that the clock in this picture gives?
1:41
